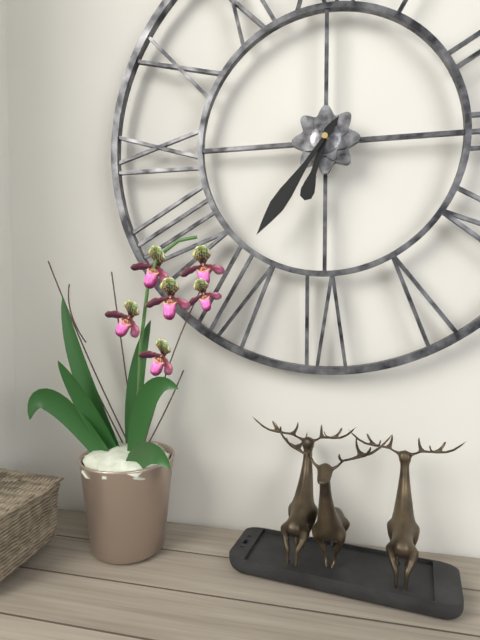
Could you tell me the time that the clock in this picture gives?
6:36
